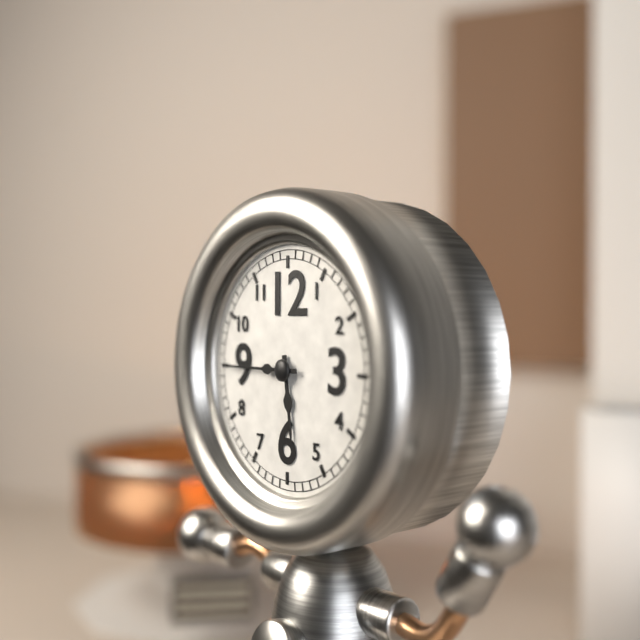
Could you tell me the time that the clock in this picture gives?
5:45
